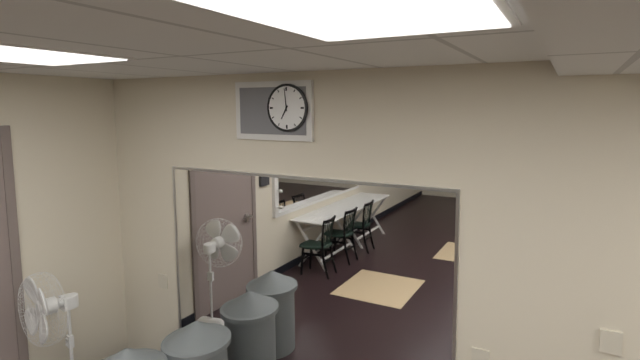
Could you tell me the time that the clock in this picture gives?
6:59
